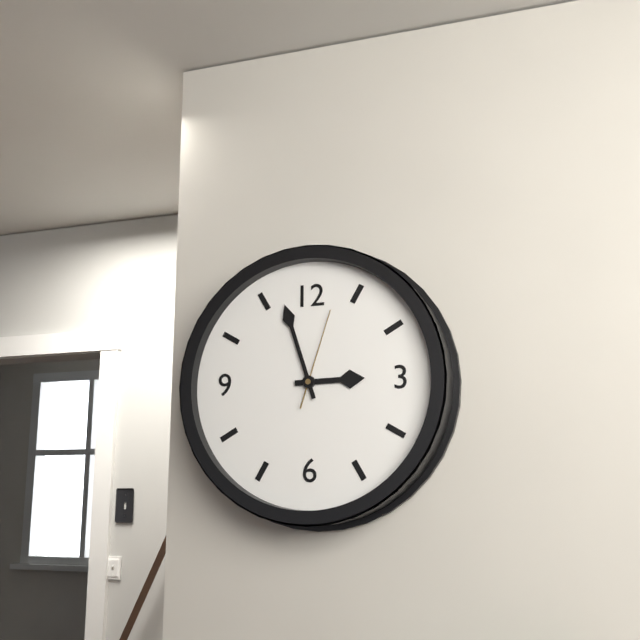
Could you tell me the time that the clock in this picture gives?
2:57:03
